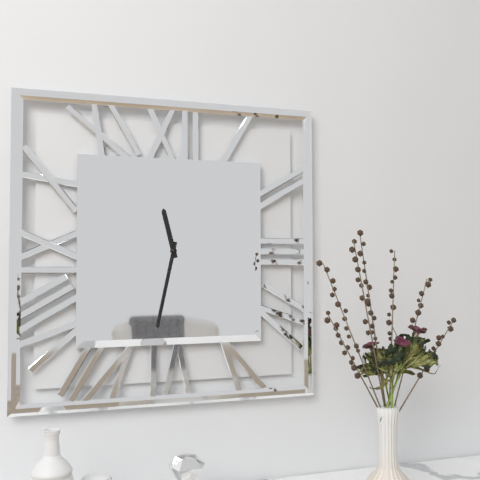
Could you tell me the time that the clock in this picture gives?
11:32
